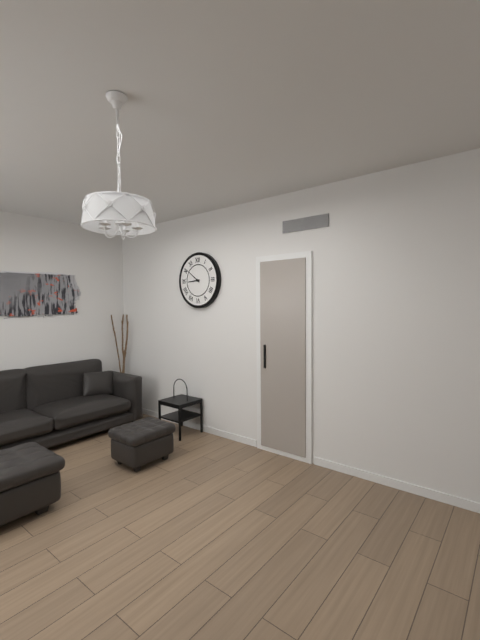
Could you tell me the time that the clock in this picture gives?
8:51
